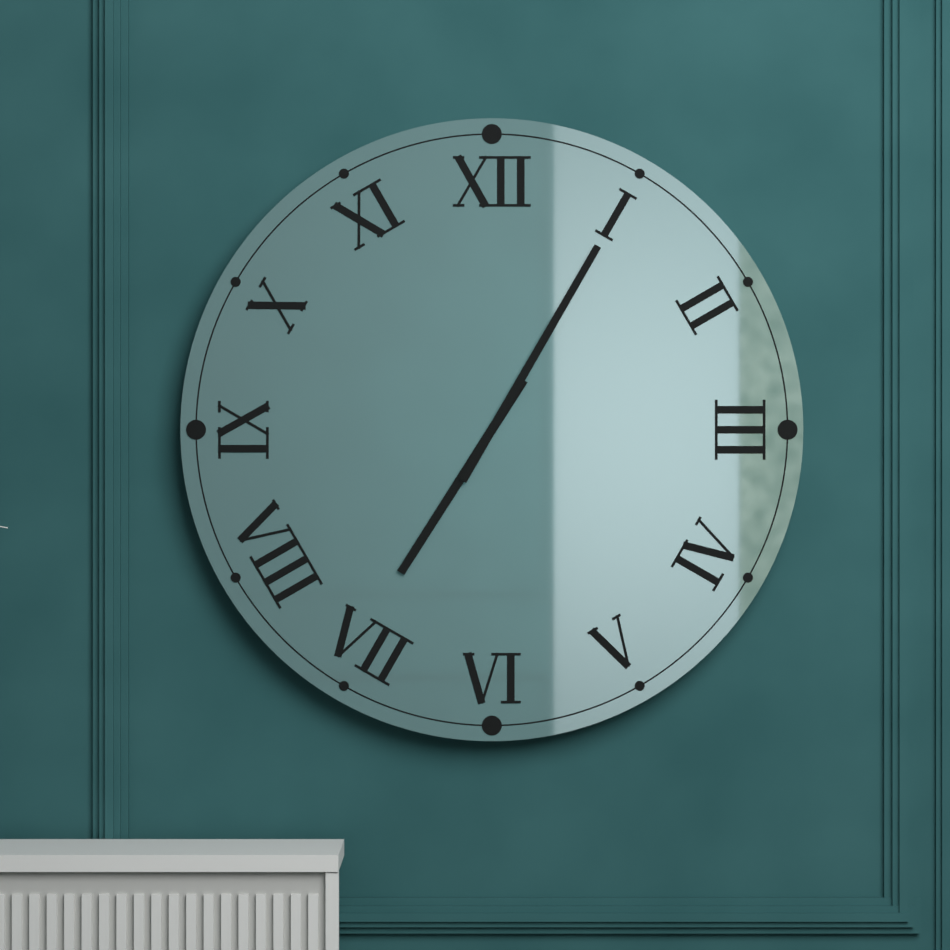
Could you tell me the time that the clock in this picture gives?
7:05
